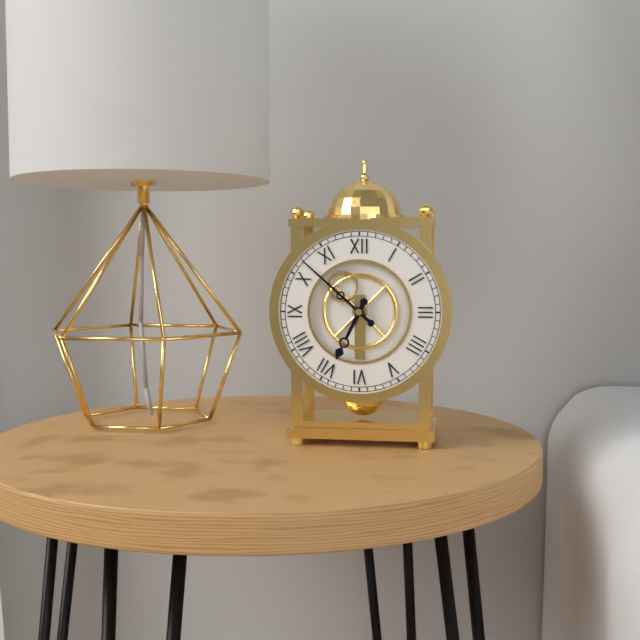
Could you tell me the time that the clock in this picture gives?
6:52
